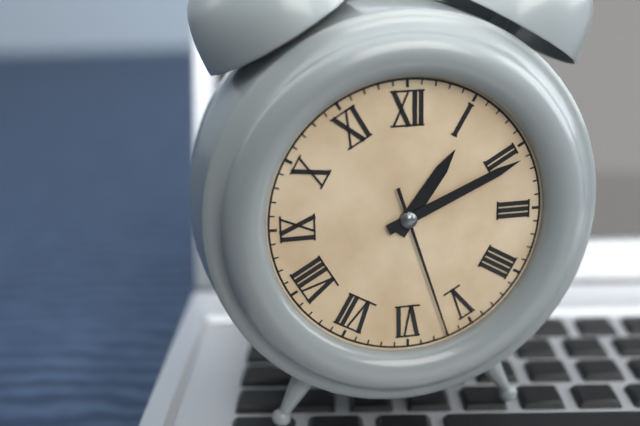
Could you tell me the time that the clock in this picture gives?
1:11:27
